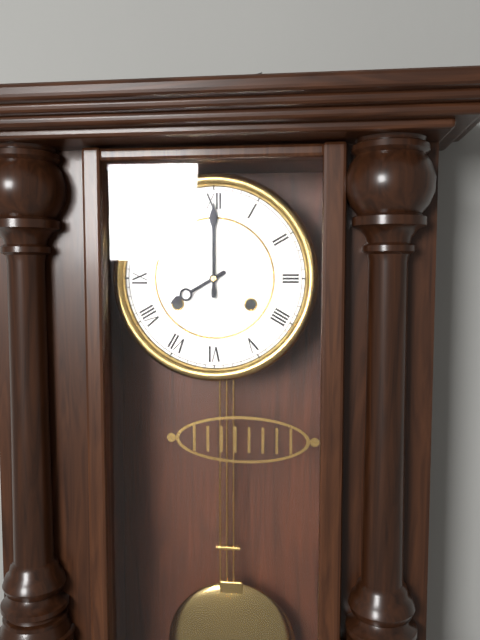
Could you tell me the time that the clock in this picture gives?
8:00
